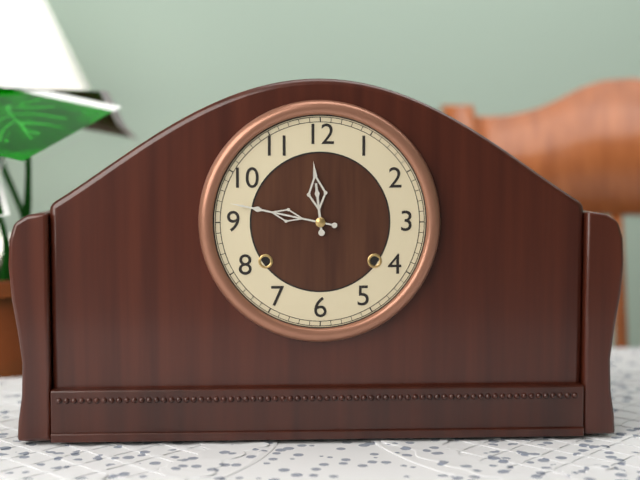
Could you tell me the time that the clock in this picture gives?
11:47
